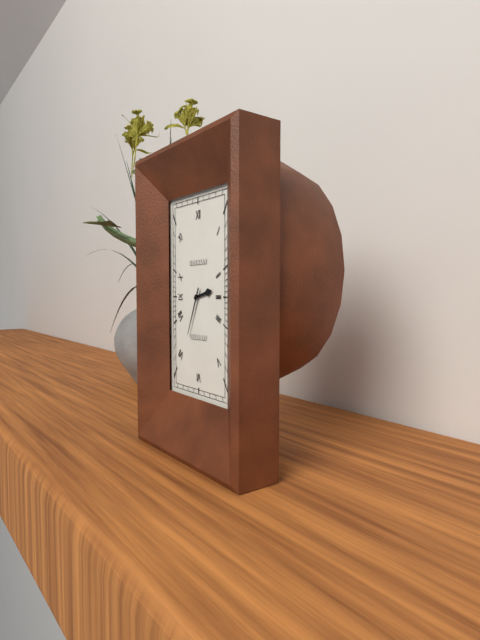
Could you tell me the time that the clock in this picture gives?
2:34
